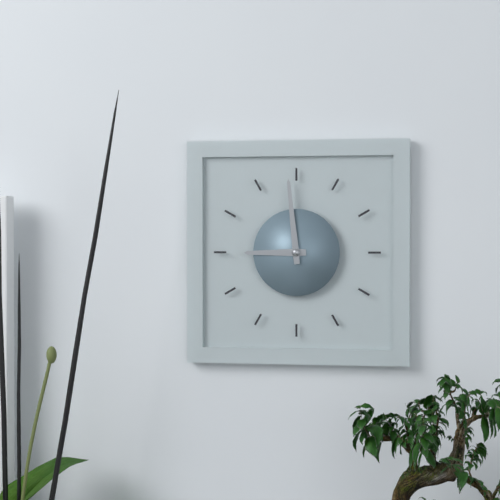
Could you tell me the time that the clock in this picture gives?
8:59
